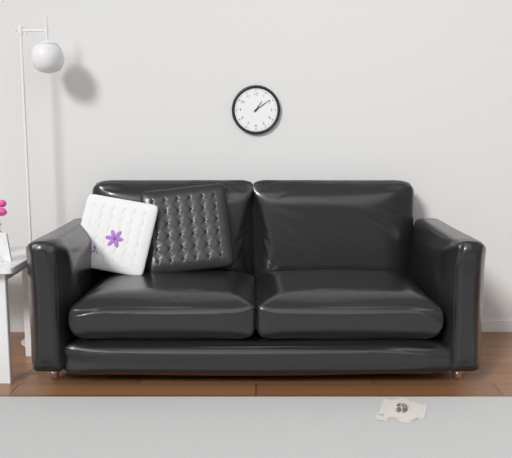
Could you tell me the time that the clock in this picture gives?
1:09
